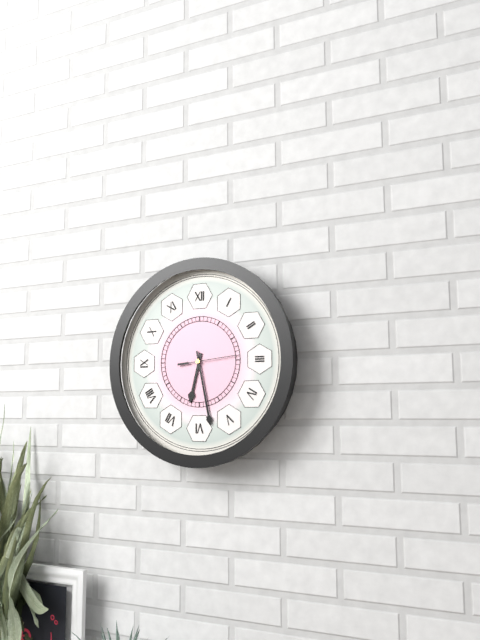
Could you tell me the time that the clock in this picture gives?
6:28
